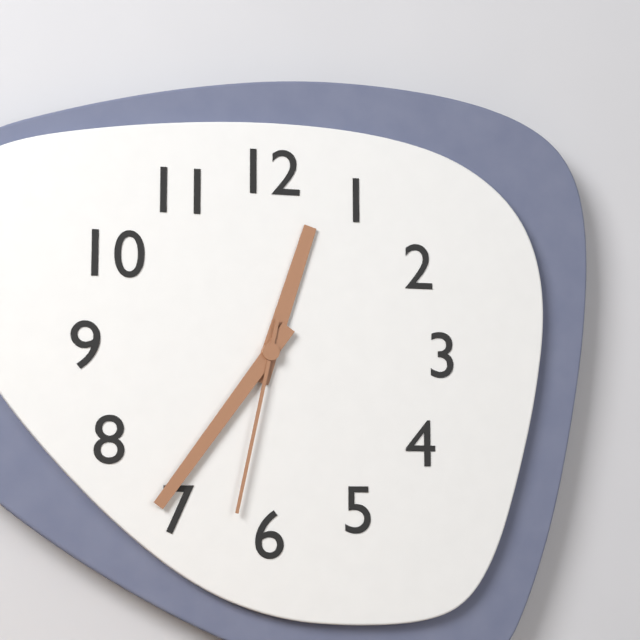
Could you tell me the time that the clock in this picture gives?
12:36:32
